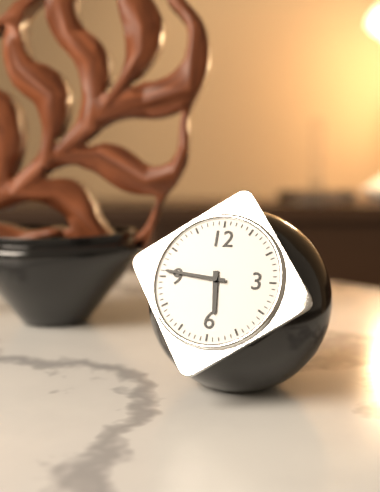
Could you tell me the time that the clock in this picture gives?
5:46
